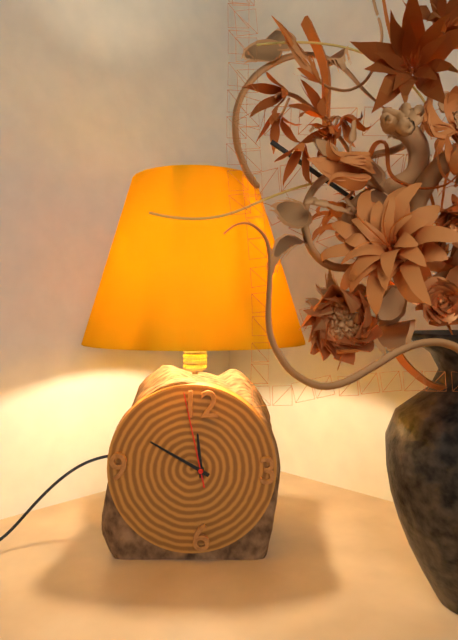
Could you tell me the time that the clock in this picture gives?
11:50:58
